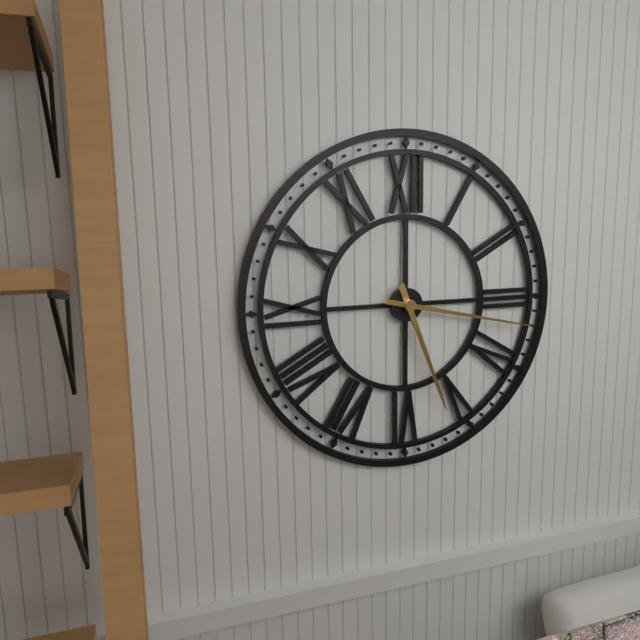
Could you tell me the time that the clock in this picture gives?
5:17
